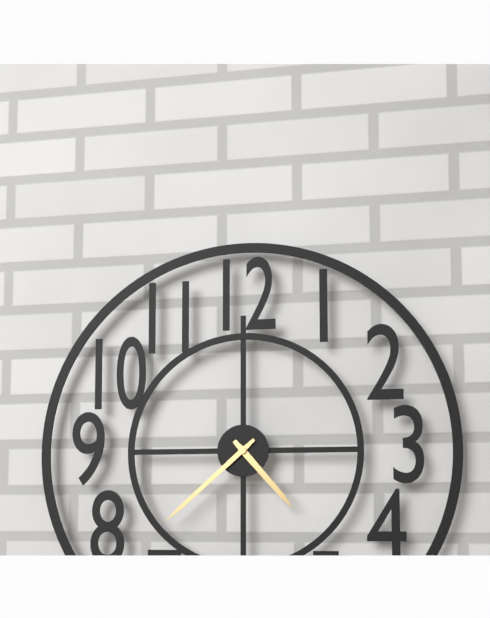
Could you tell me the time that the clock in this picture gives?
4:38
